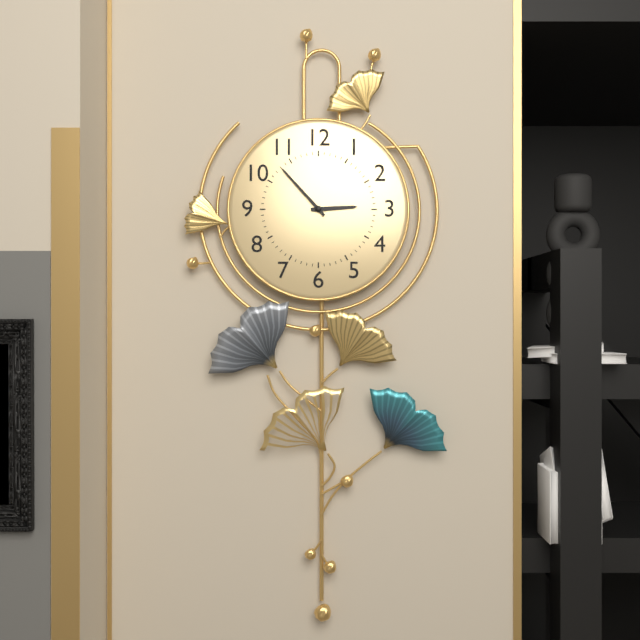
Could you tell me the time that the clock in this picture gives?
2:53
